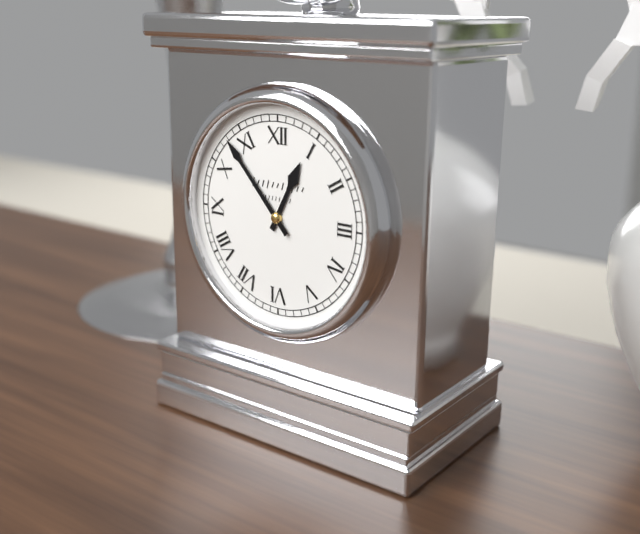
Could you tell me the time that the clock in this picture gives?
12:53
